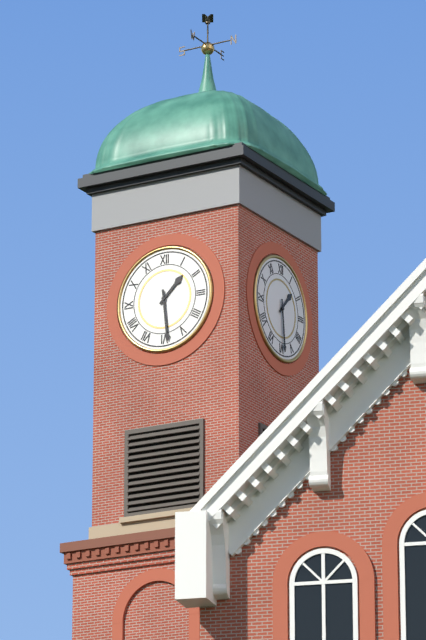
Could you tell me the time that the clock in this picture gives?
1:29
